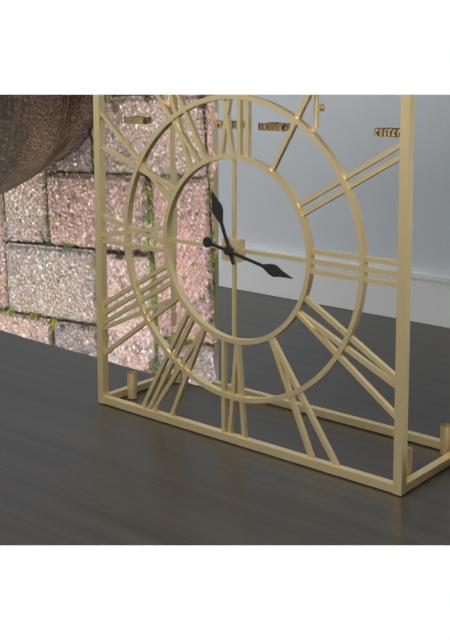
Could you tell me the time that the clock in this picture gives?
11:17
